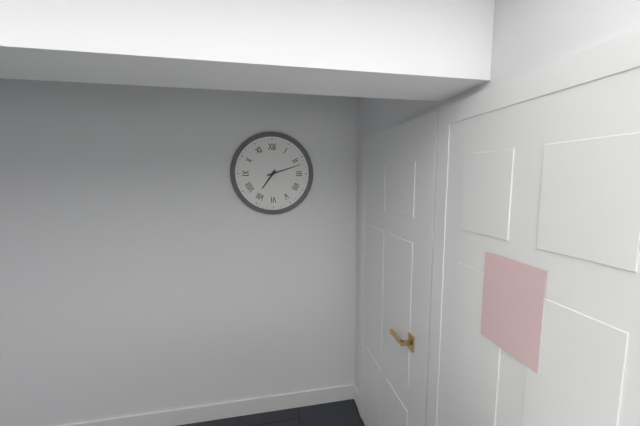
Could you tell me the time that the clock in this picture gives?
7:12
